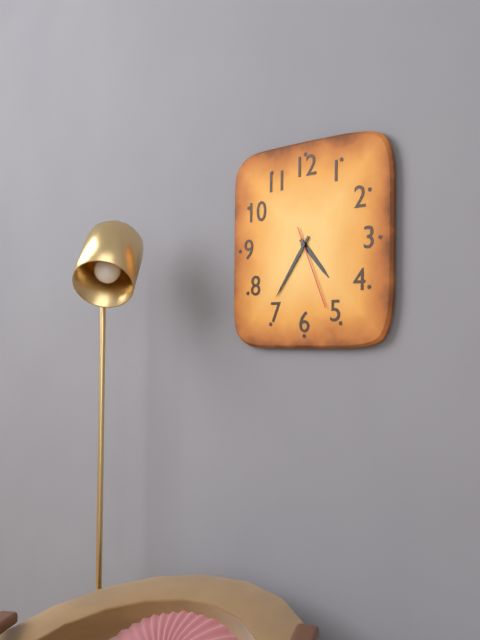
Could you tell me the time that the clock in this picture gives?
4:36:26
